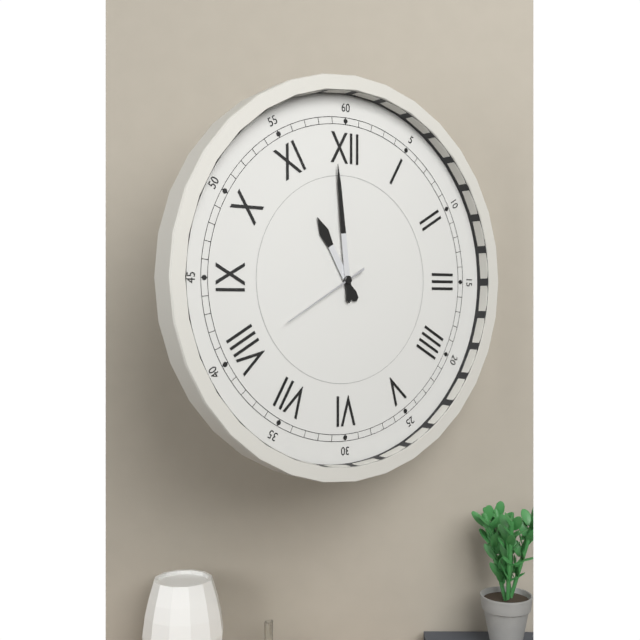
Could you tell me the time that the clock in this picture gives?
10:59:40
